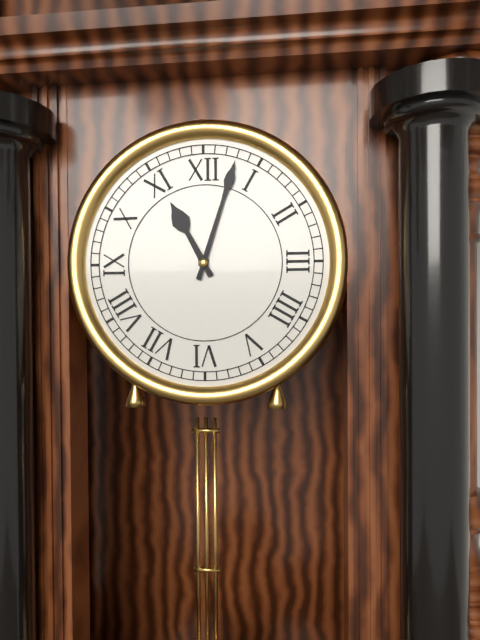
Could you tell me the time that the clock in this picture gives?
11:03
